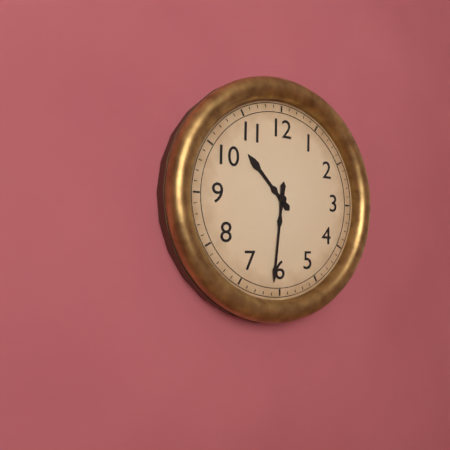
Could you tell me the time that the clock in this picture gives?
10:31
